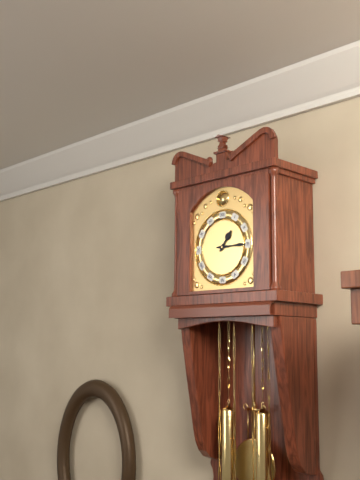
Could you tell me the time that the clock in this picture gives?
1:15
